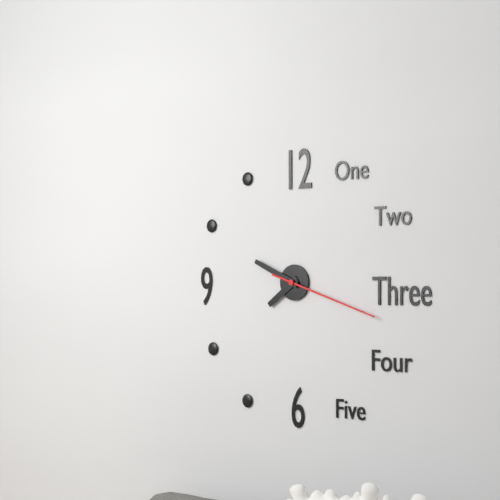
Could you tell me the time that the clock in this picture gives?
7:49:18
